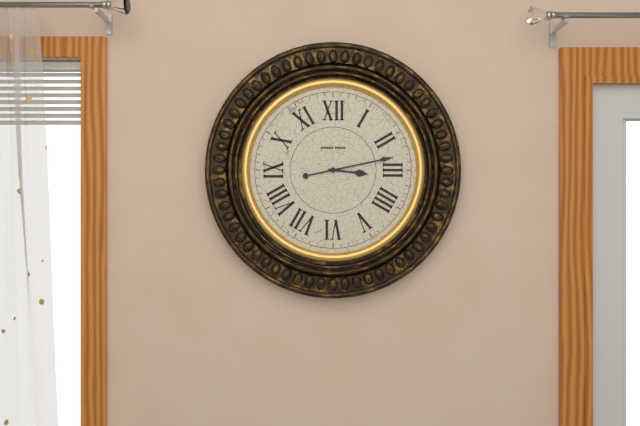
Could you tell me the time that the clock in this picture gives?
3:13
